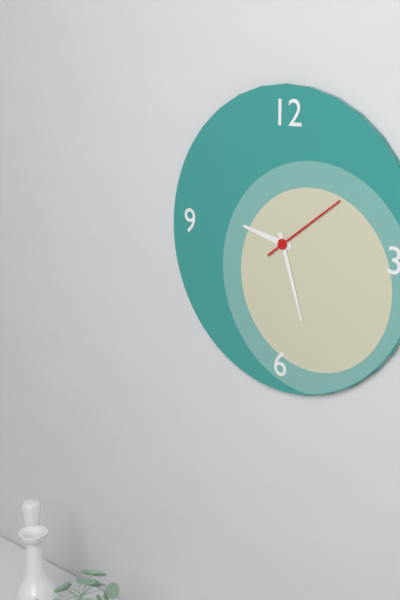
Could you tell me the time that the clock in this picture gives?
9:27:09
